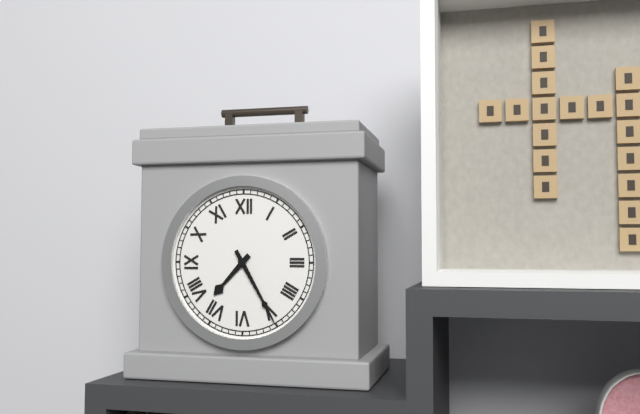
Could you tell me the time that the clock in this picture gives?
7:25
